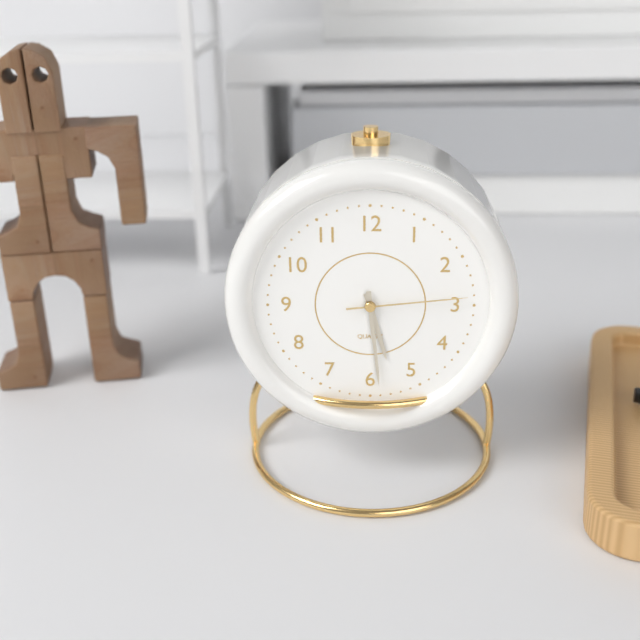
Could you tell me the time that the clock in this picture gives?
5:29:14
